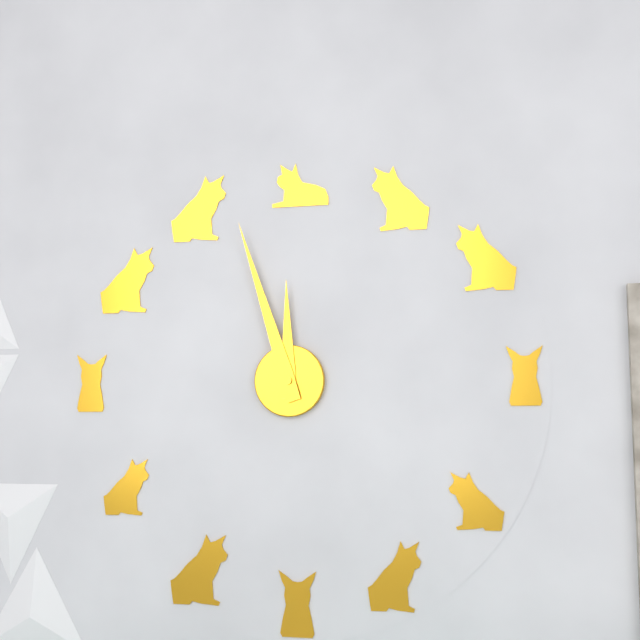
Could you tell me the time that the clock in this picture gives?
11:57
